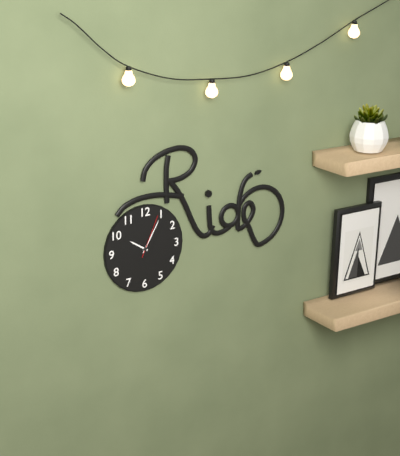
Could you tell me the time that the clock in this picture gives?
10:05
